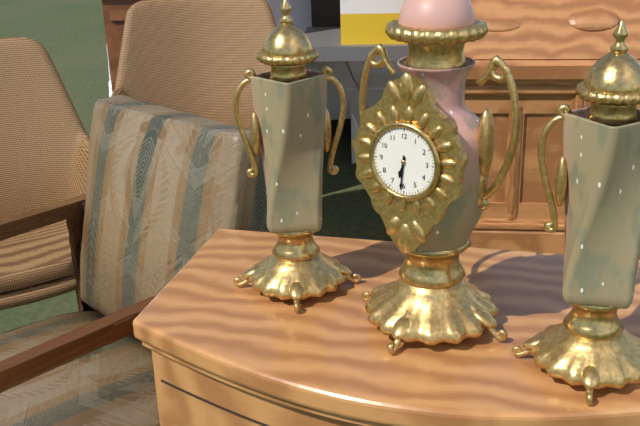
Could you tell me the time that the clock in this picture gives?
6:31
